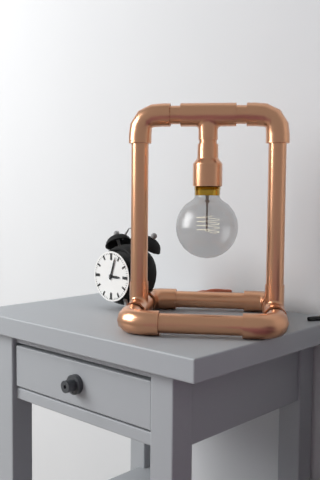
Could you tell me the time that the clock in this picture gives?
3:03
